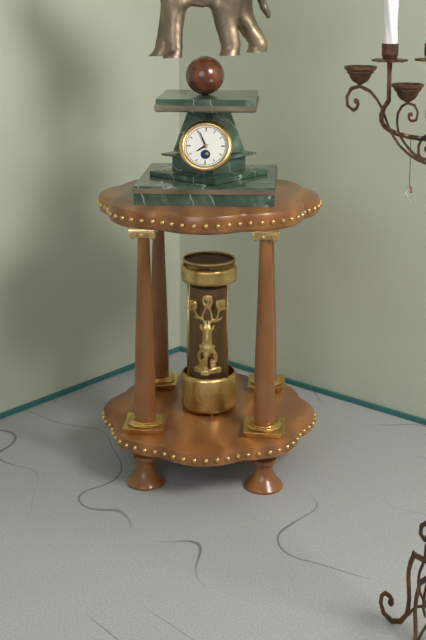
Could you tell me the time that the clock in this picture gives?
7:56
